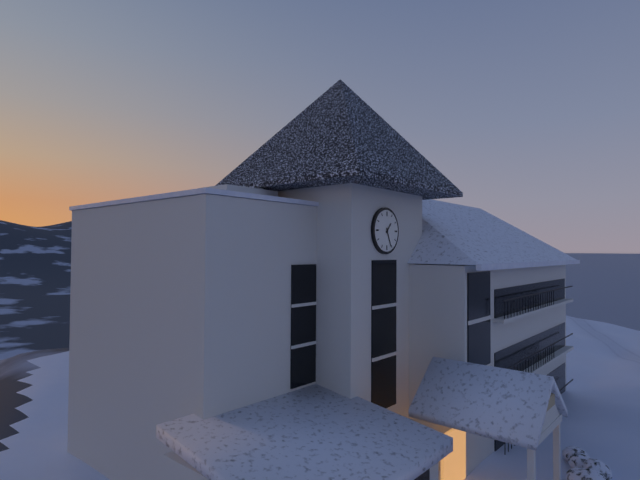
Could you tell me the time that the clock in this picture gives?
1:26
